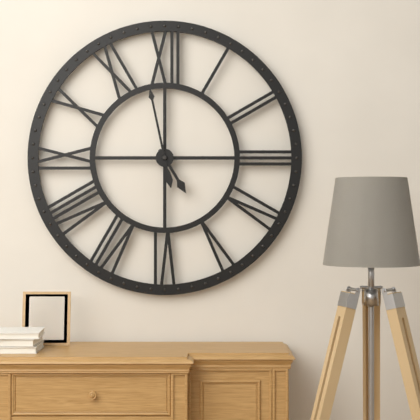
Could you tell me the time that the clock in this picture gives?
4:58
